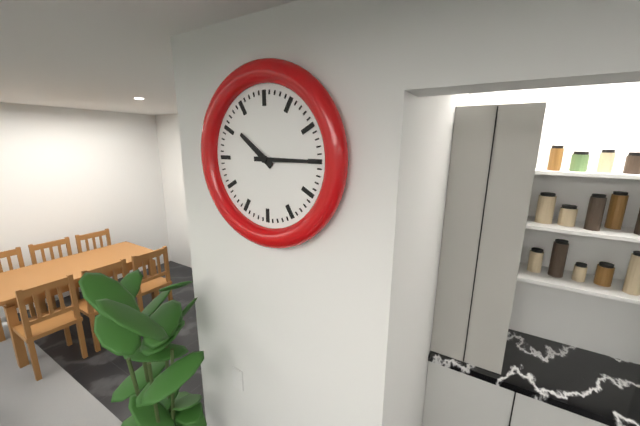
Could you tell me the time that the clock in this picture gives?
10:15
